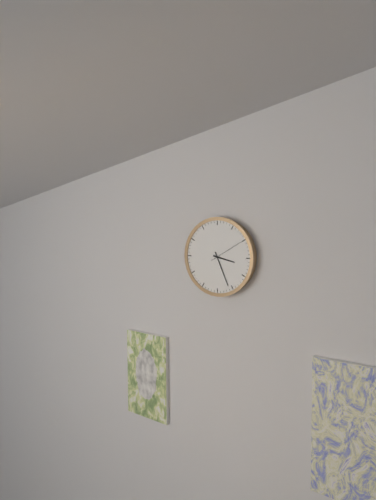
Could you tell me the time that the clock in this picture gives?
3:26
